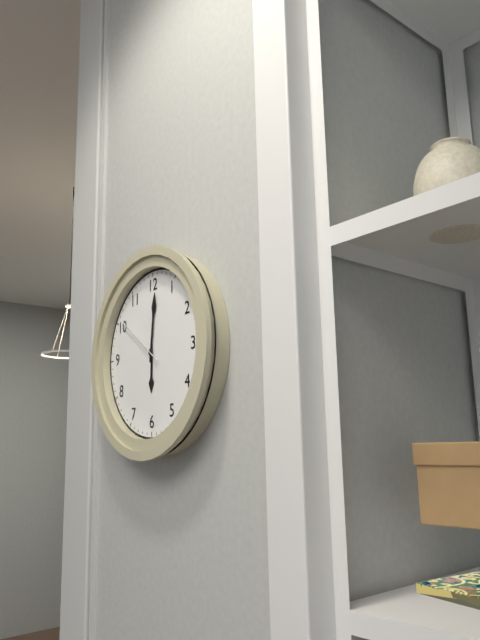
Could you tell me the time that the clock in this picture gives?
6:01:51
